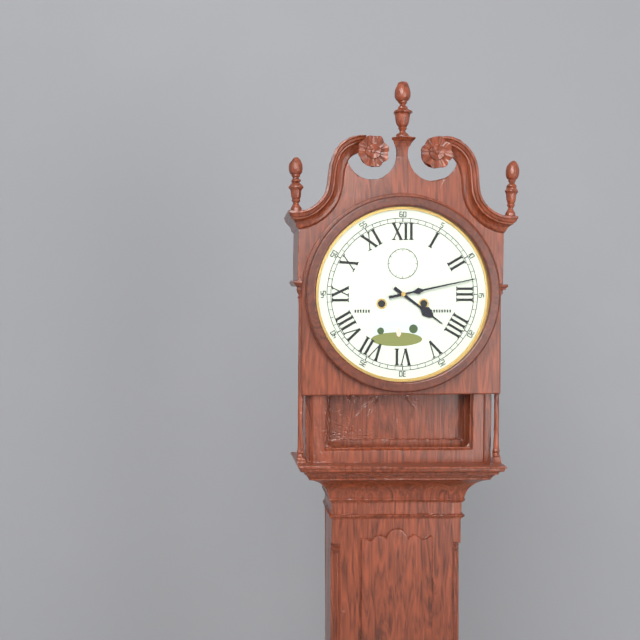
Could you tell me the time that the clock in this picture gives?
4:13
